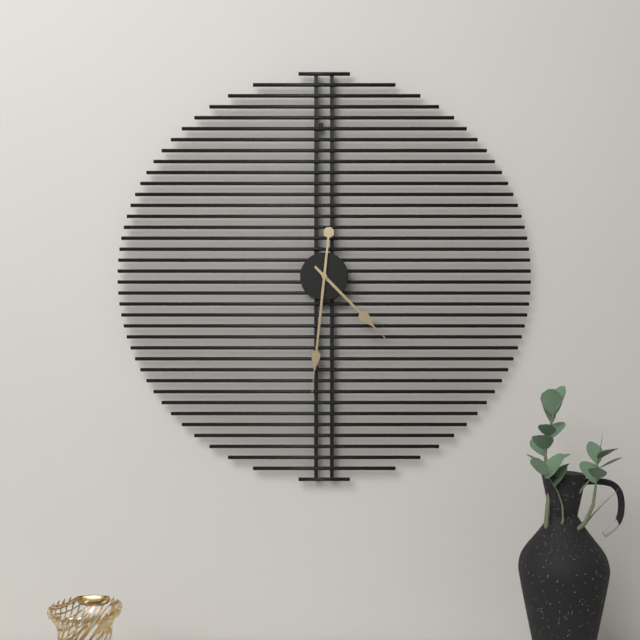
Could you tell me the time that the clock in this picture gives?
4:31
